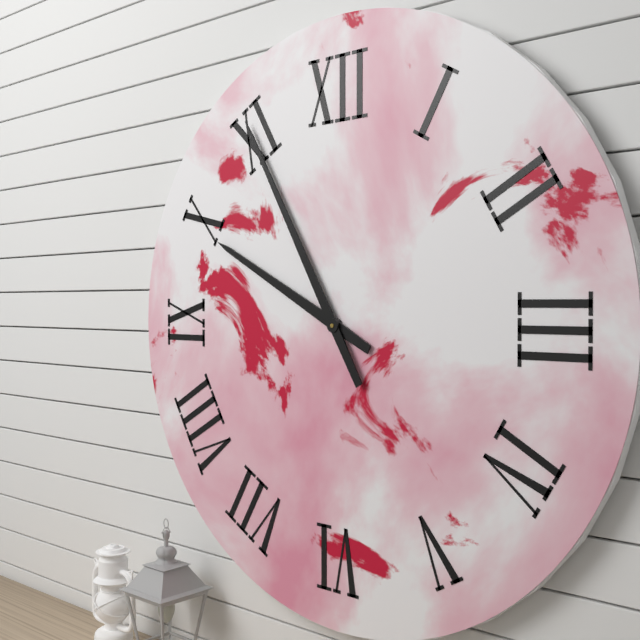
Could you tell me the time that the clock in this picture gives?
9:55
